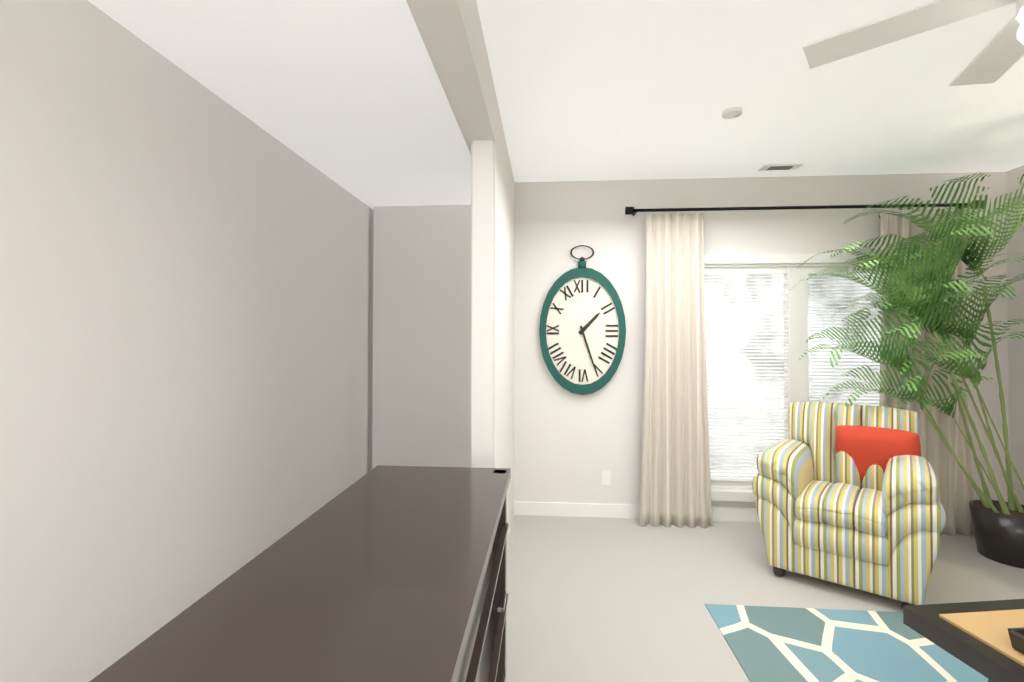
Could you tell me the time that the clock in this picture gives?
1:27
